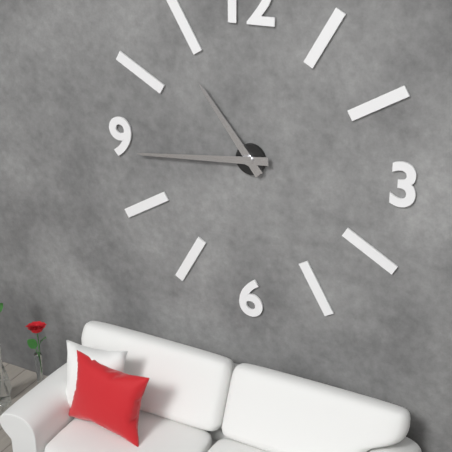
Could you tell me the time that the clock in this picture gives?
10:44
